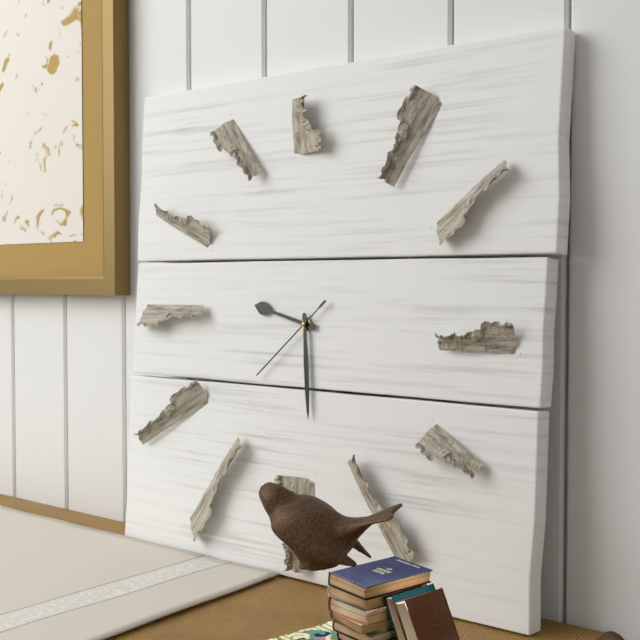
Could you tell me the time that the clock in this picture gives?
9:29:38
